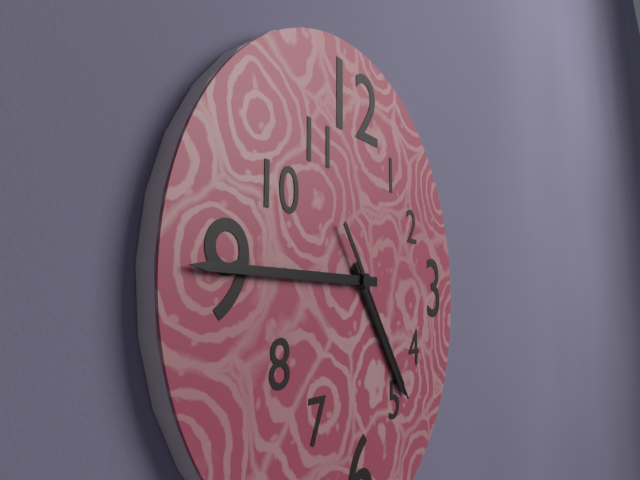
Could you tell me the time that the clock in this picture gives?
4:45:24
